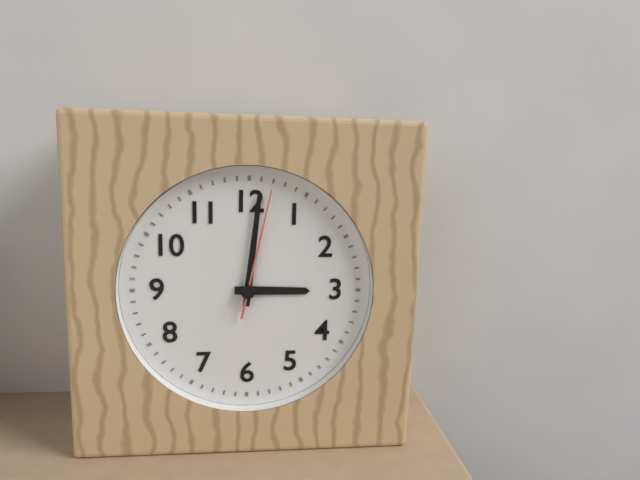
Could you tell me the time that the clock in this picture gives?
3:01:02
